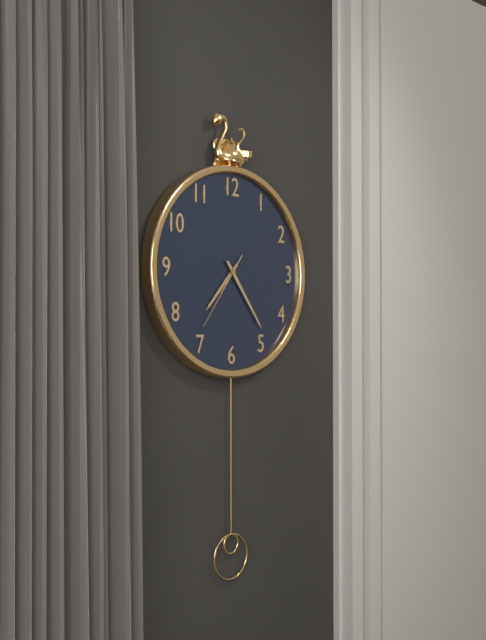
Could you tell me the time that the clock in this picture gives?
7:24:36
